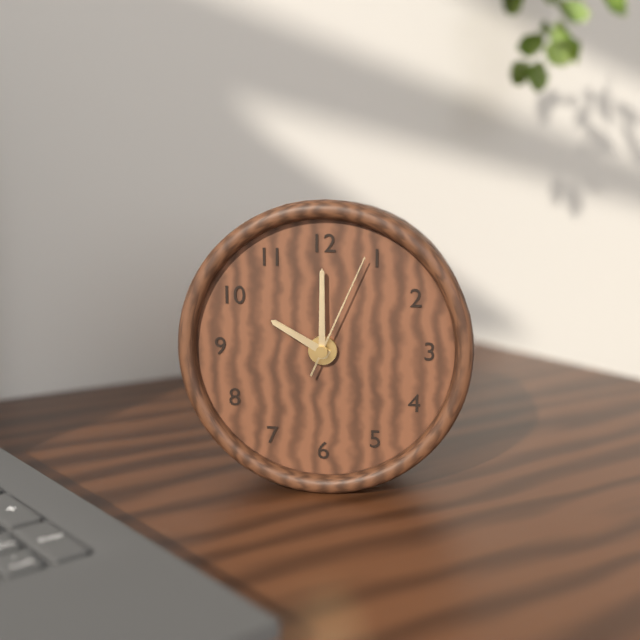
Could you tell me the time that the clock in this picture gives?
10:00:04
